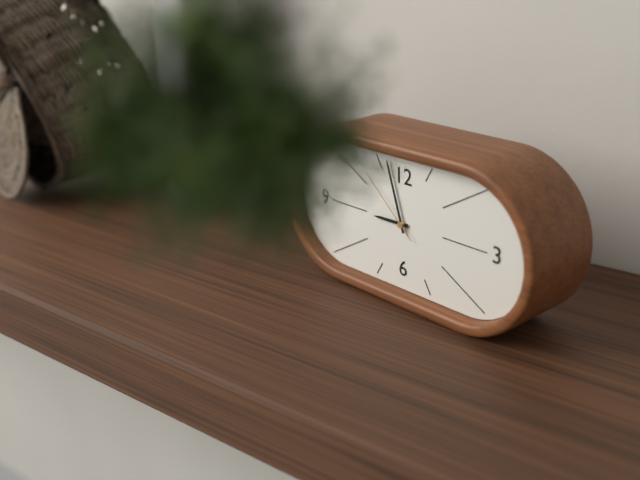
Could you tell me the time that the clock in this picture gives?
8:57:52
